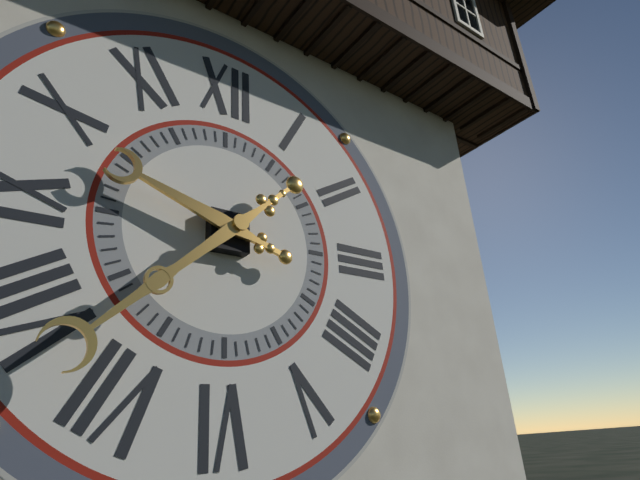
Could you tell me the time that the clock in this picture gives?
9:38
